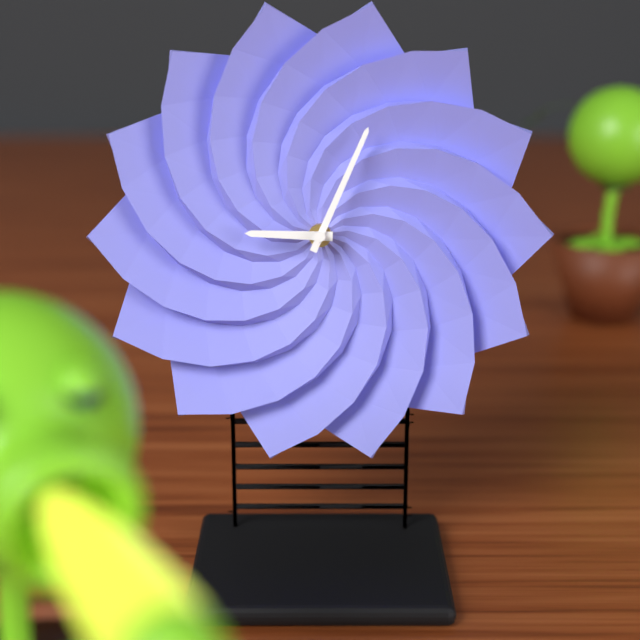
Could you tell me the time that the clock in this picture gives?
9:04
